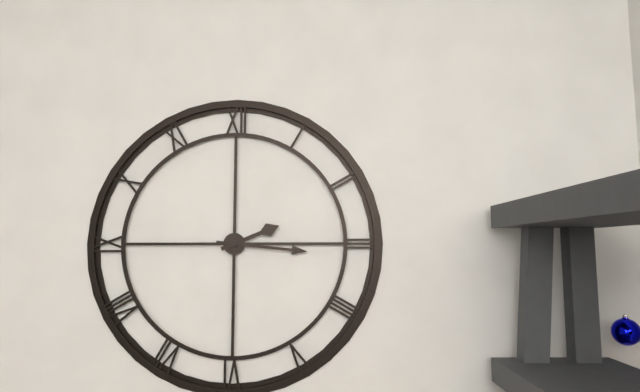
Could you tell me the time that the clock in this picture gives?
2:16
